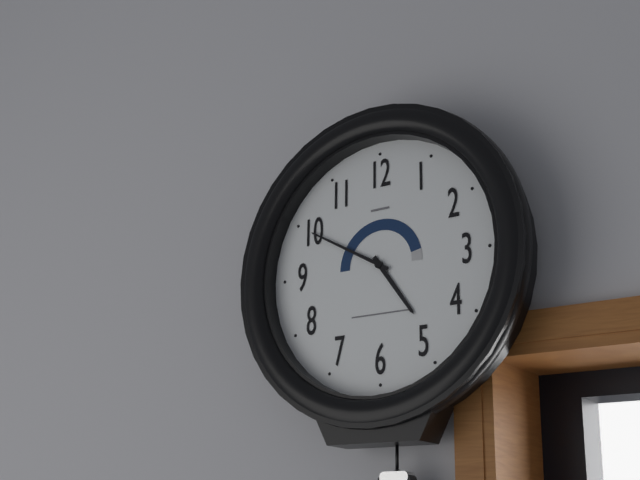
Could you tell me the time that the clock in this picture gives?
4:50
